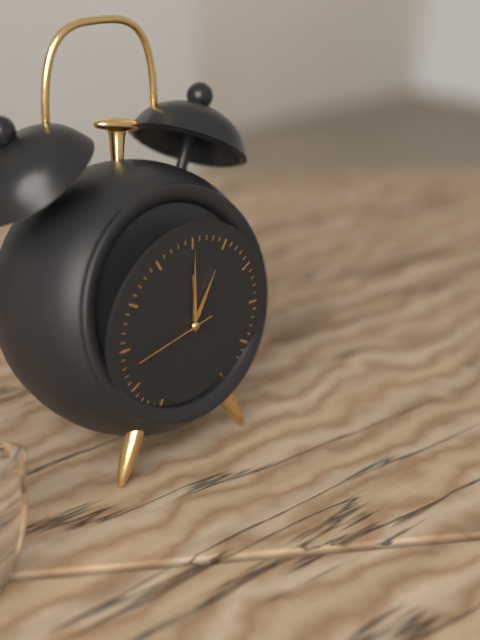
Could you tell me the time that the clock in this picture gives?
1:00:43
